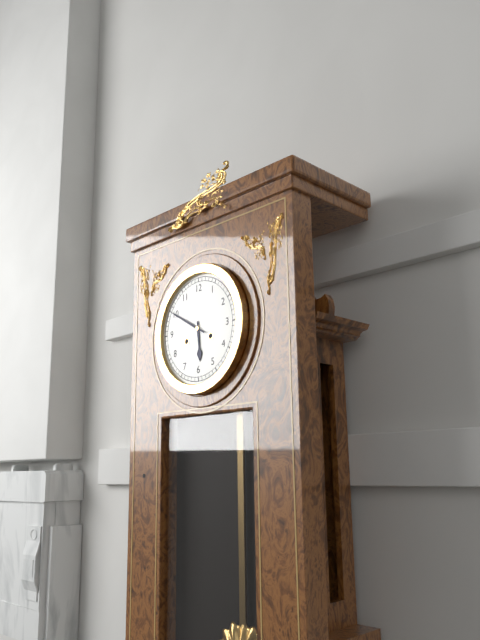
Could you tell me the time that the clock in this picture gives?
5:50
